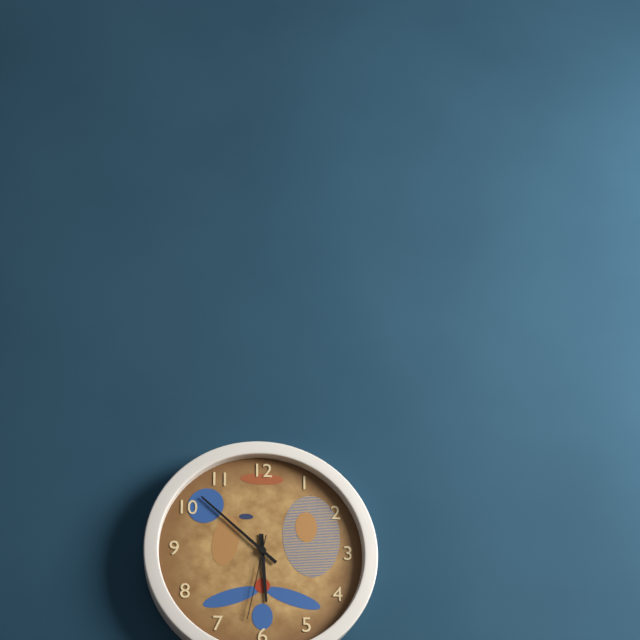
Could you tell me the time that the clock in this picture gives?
5:52:32
